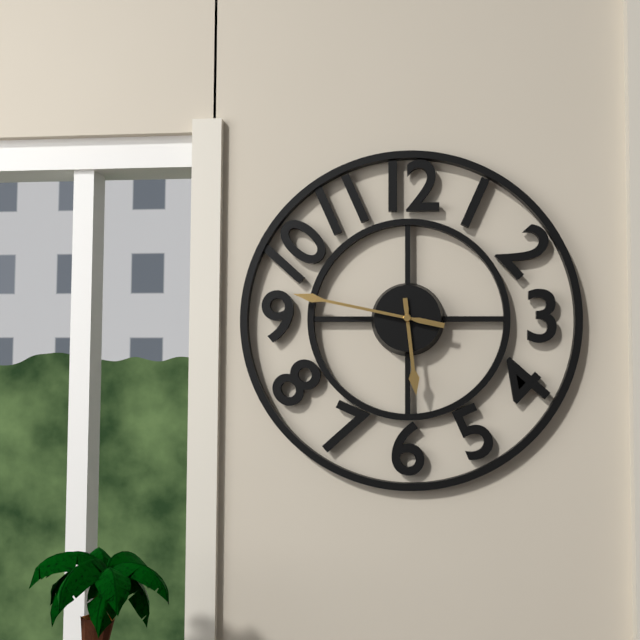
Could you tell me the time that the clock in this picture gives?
5:47
